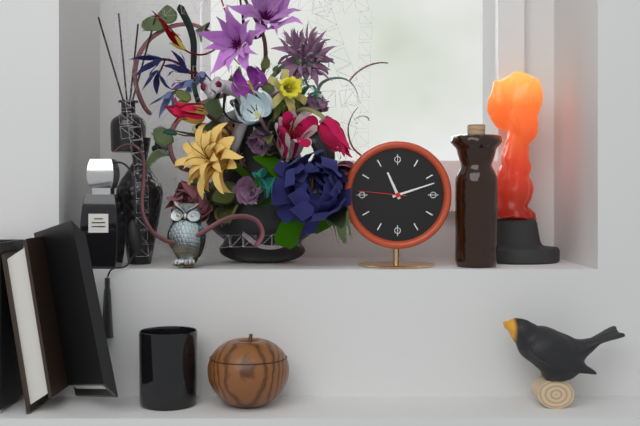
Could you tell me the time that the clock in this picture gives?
11:12
